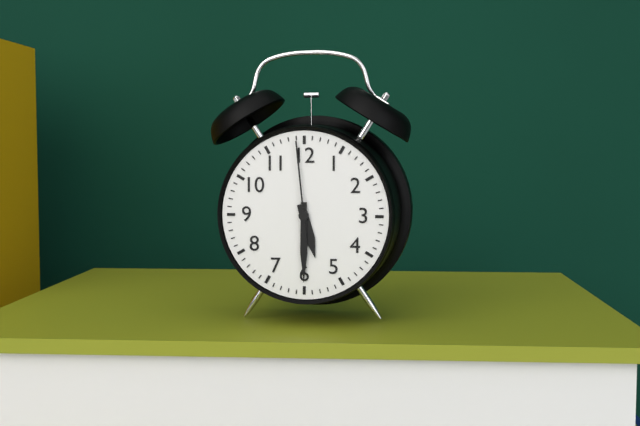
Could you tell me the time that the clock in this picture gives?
5:30:59
